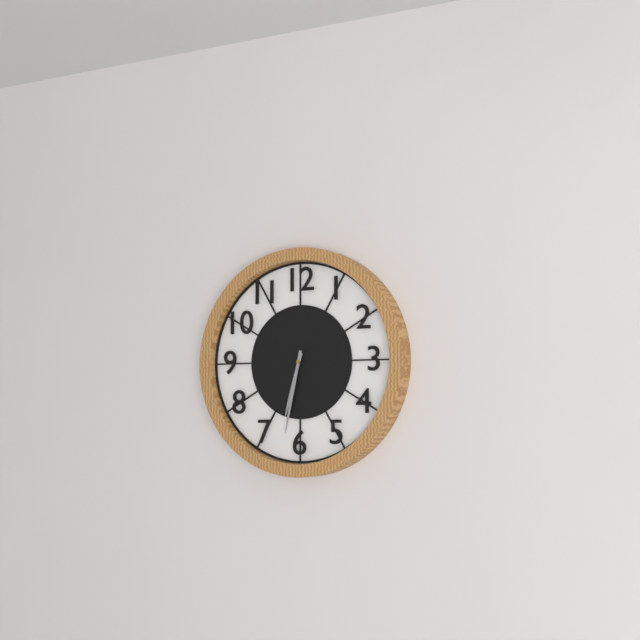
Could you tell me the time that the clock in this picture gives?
6:32
